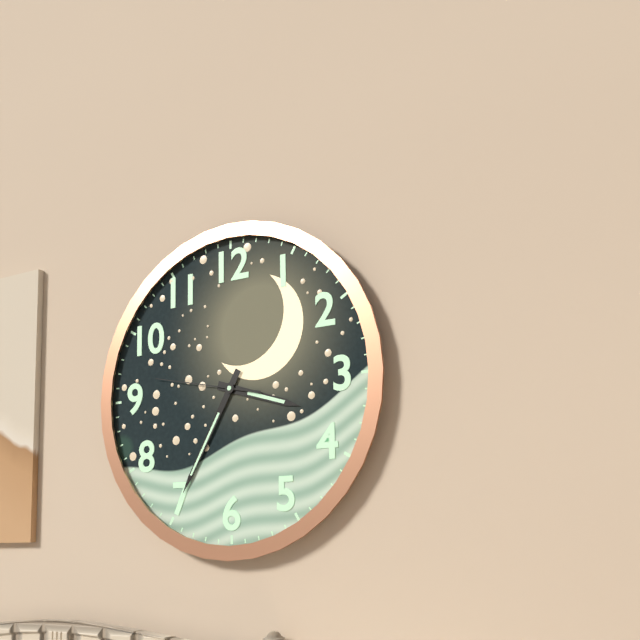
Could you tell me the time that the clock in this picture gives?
3:35:47
